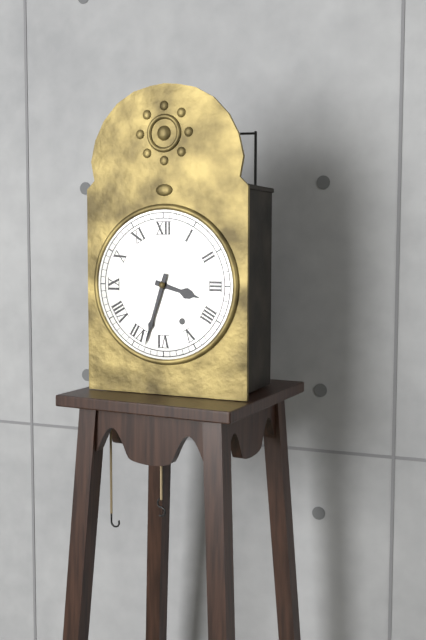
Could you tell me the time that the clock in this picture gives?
3:33
